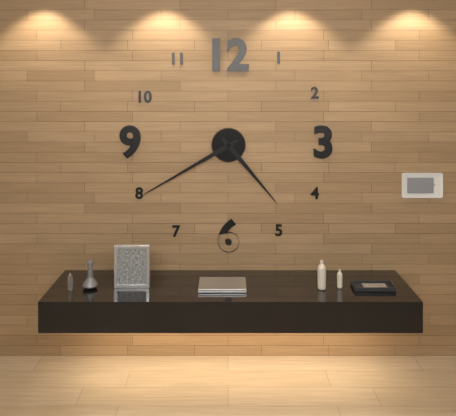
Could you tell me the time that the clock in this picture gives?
4:40
